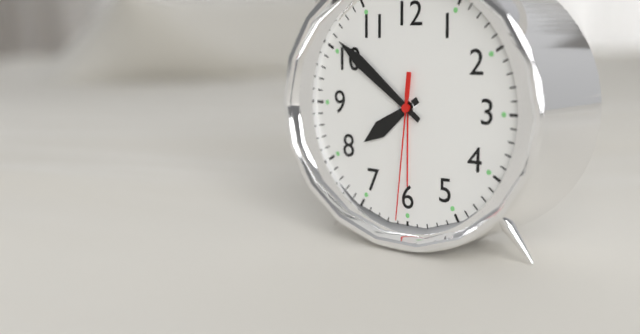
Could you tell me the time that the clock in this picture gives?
7:51:31
